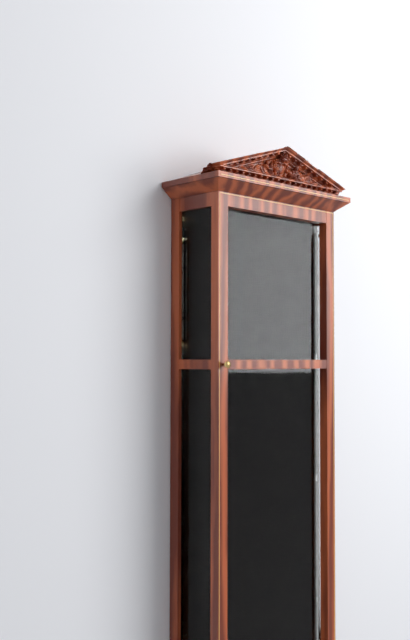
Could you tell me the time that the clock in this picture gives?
4:05:05
